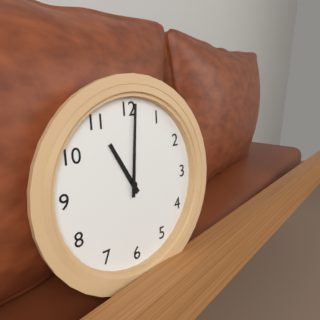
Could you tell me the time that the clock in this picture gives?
11:01
